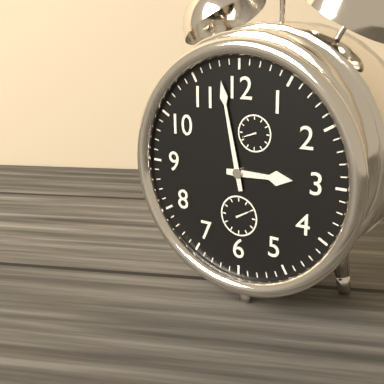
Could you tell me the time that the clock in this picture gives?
2:58
